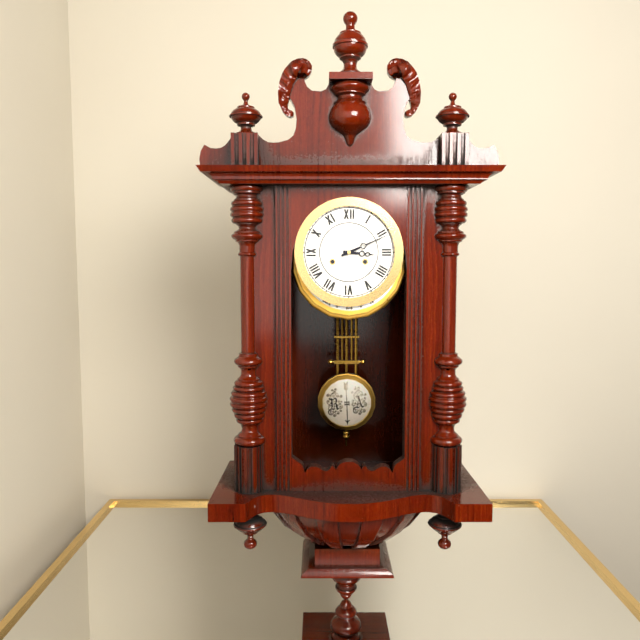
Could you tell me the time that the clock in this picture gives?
3:11
